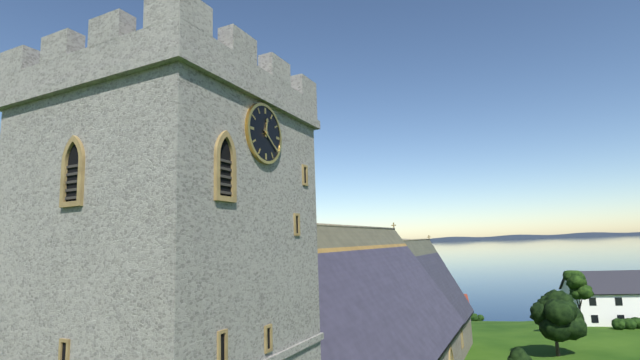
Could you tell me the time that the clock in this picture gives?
12:21
